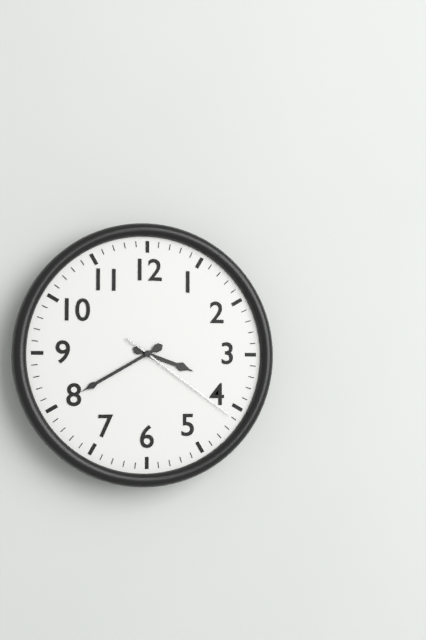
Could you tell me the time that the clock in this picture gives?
3:40:21
